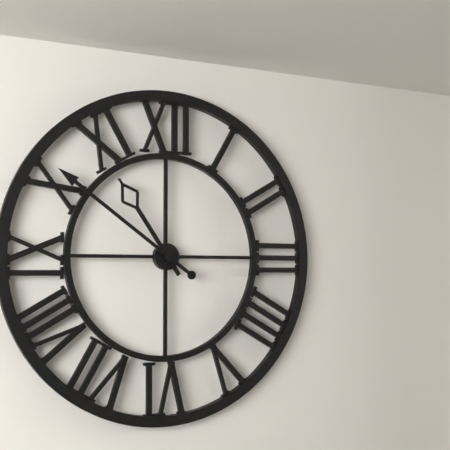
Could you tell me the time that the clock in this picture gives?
10:51
